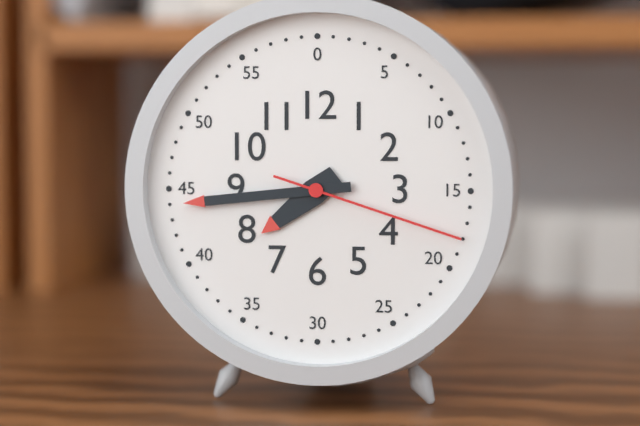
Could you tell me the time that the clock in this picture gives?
7:44:18
